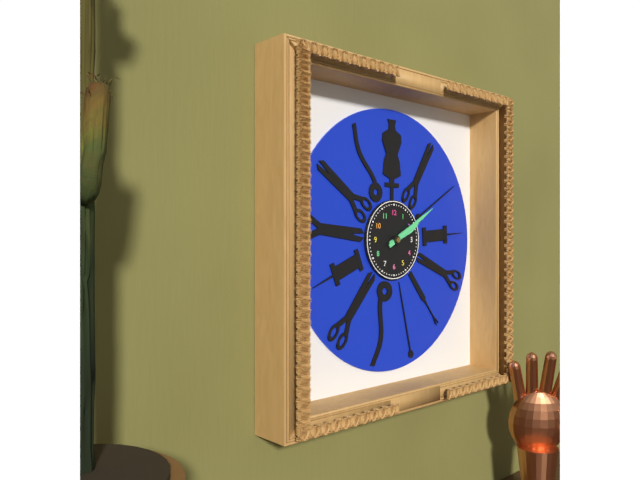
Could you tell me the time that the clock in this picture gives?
2:10
